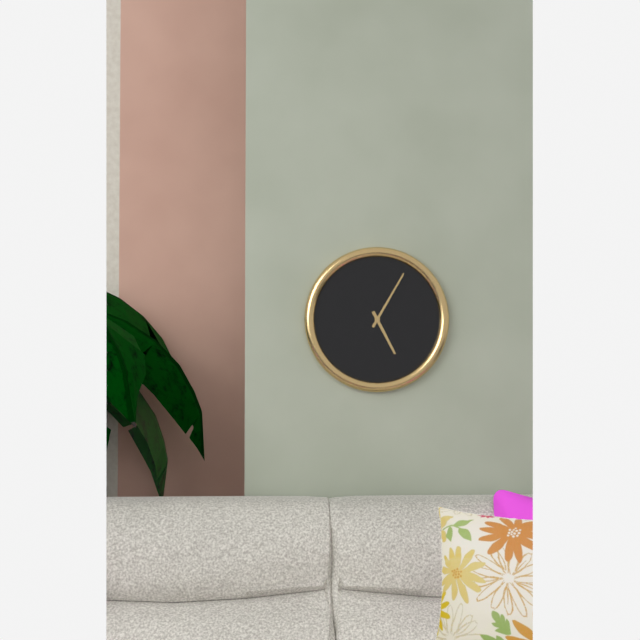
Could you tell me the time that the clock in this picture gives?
5:05
